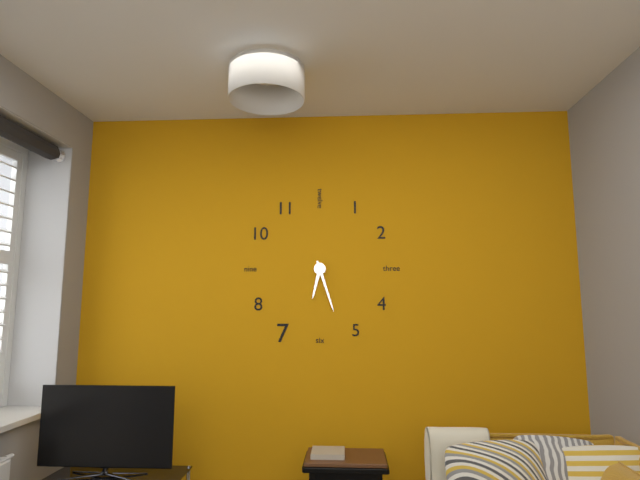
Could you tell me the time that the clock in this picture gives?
6:27
